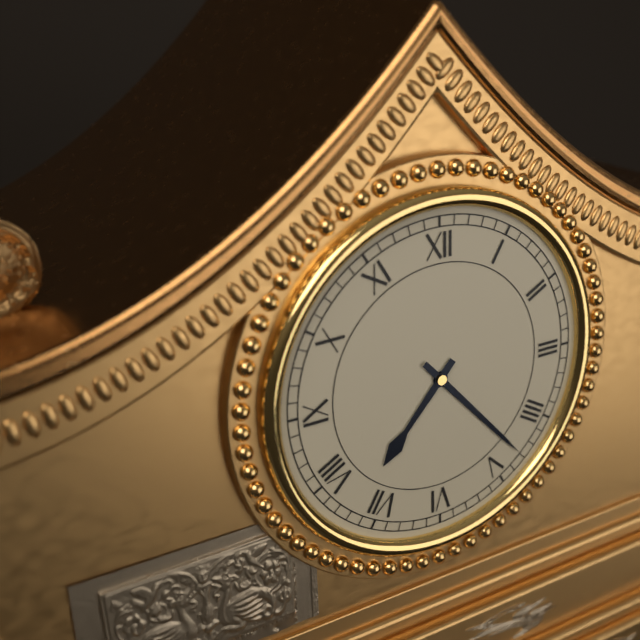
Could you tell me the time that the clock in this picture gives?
7:23
